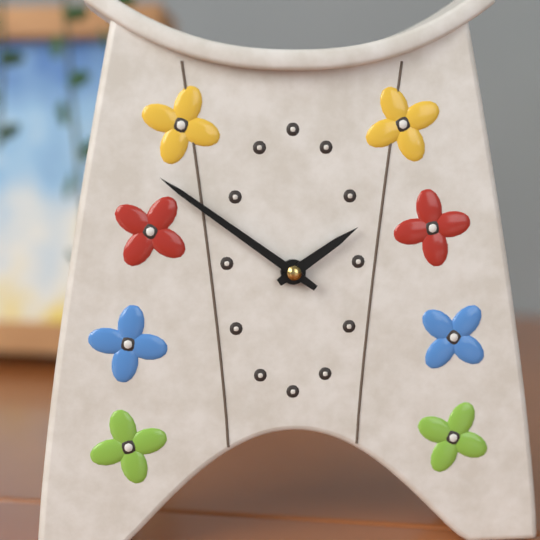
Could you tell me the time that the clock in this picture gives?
1:51
